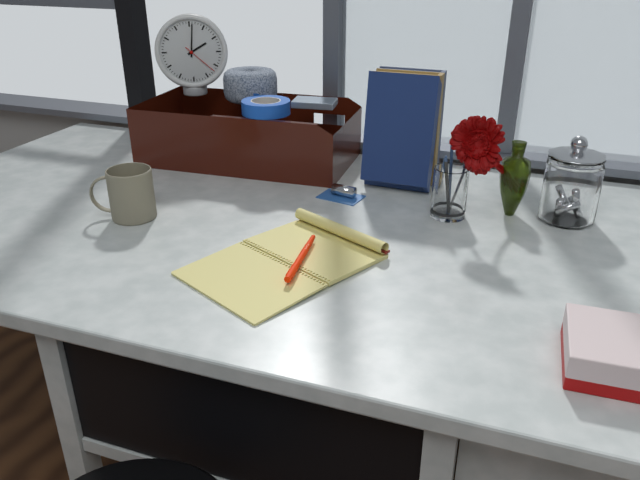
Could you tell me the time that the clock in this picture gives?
2:01
